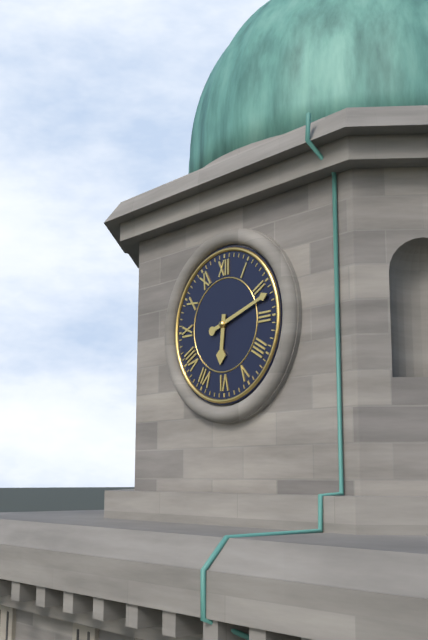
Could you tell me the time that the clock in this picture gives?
6:12
